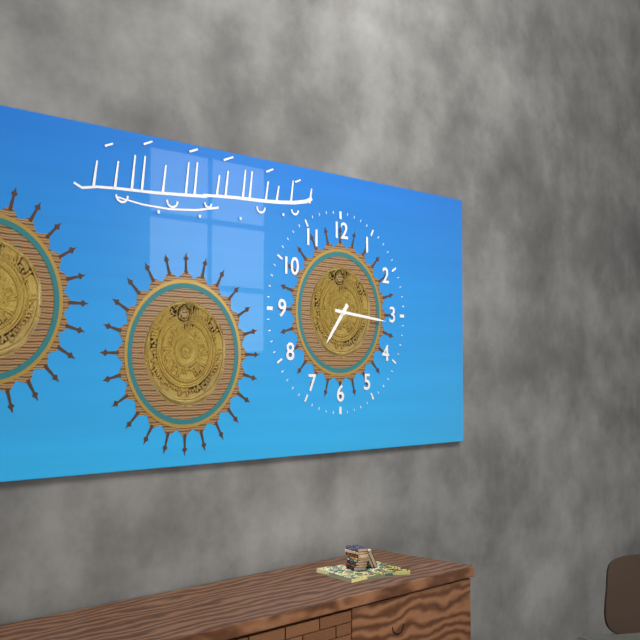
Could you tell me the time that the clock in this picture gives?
7:16
